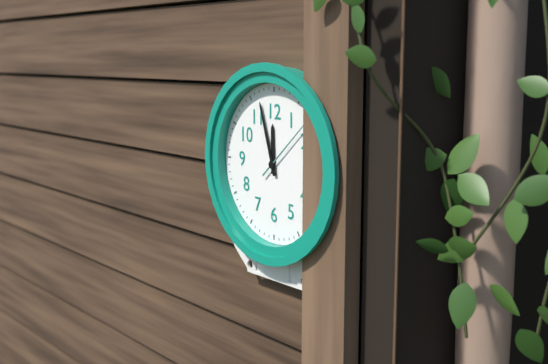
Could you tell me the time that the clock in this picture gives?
11:57:08
